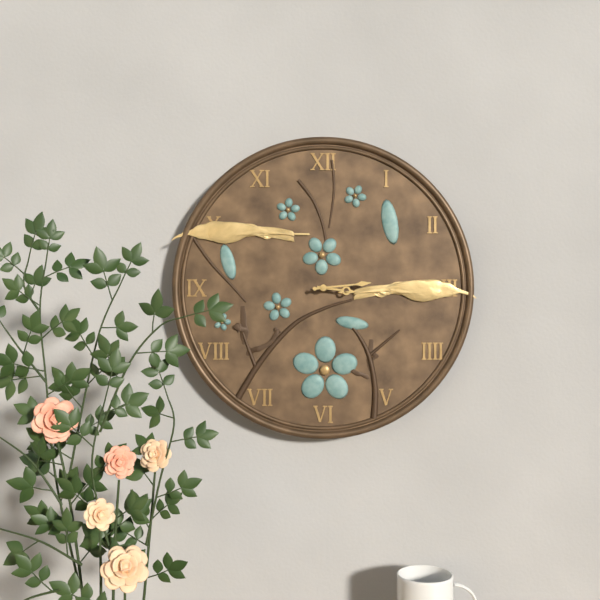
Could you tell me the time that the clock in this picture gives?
3:14
